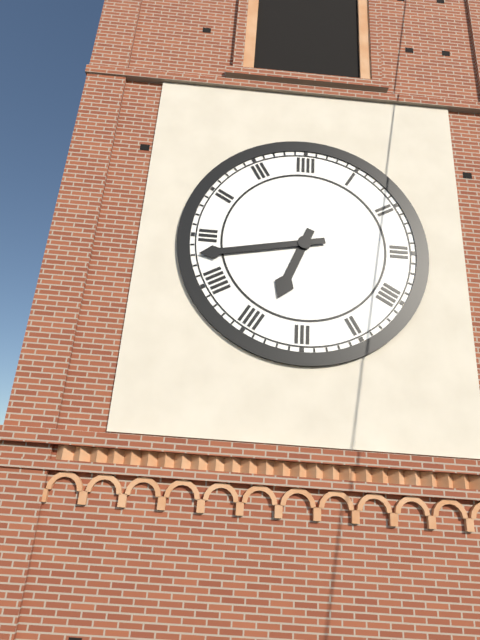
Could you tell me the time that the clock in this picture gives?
6:43
